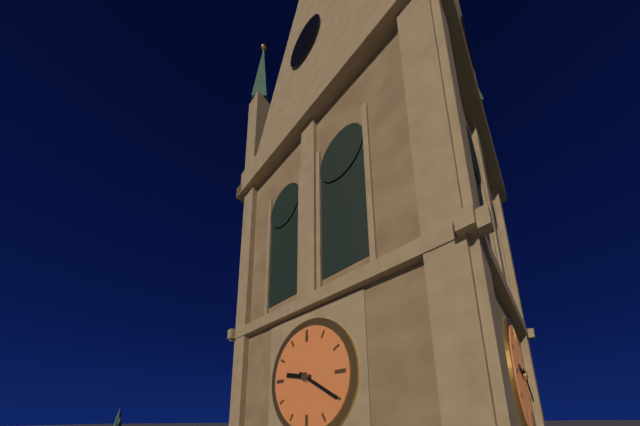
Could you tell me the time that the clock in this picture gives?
9:20
